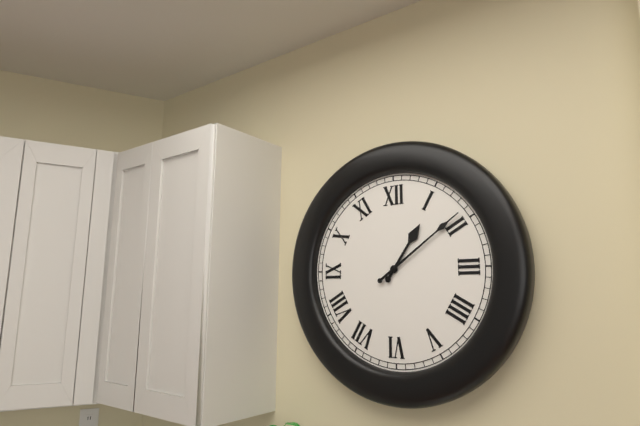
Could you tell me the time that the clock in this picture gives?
1:09
